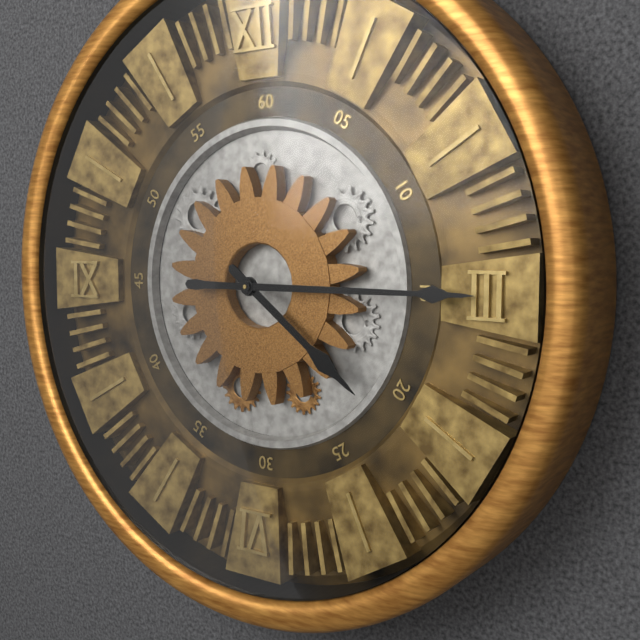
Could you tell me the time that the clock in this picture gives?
4:15
